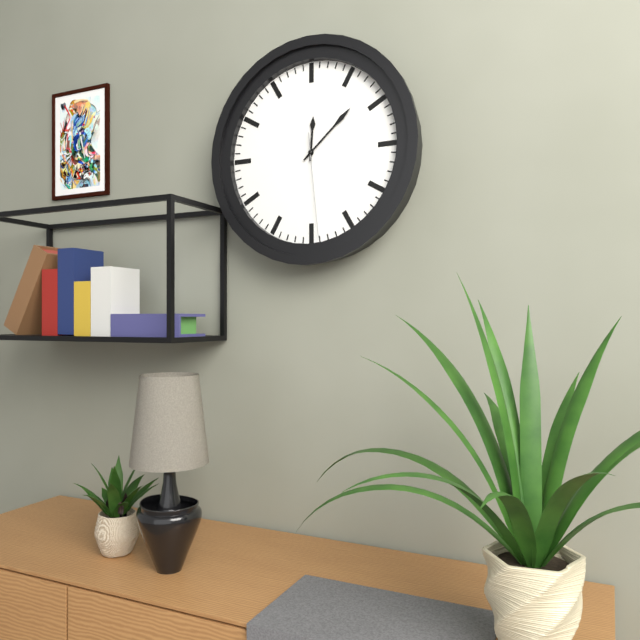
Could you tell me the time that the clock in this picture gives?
12:08:29
